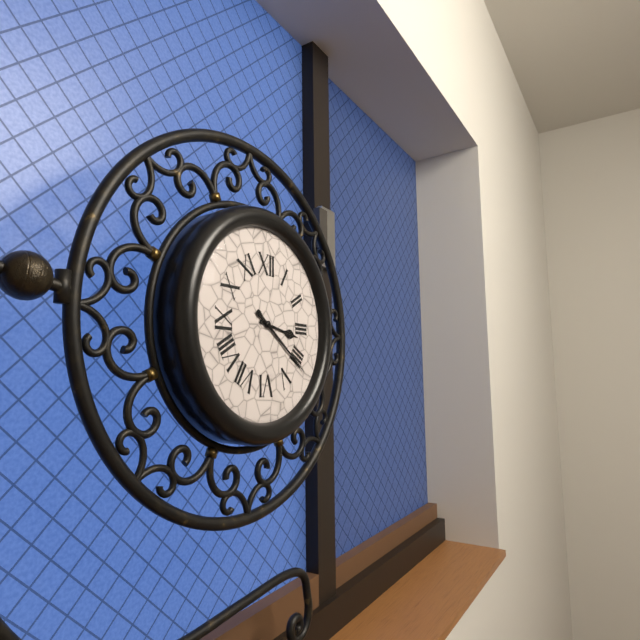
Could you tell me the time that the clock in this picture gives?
3:21
